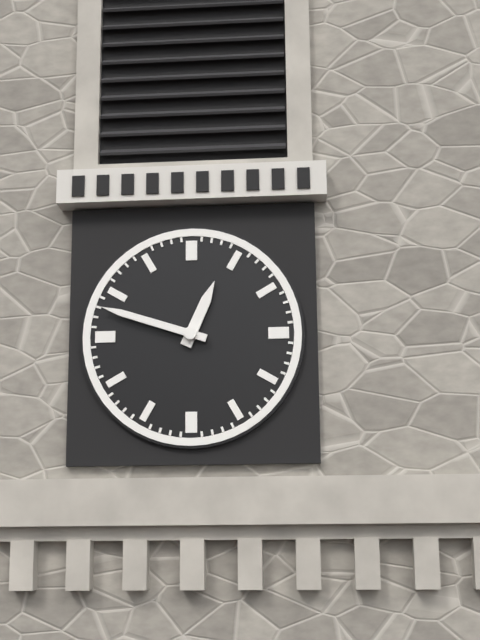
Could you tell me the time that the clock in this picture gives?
12:48
